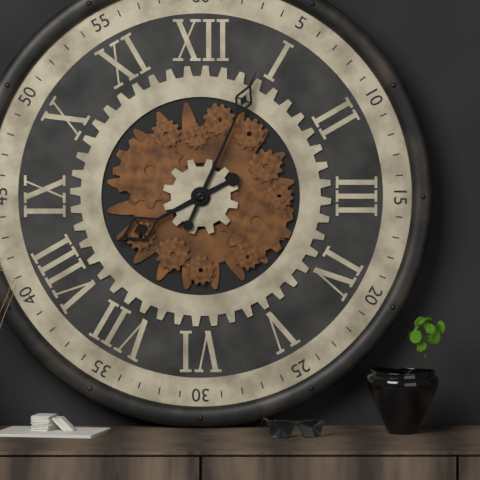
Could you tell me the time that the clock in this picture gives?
8:04
